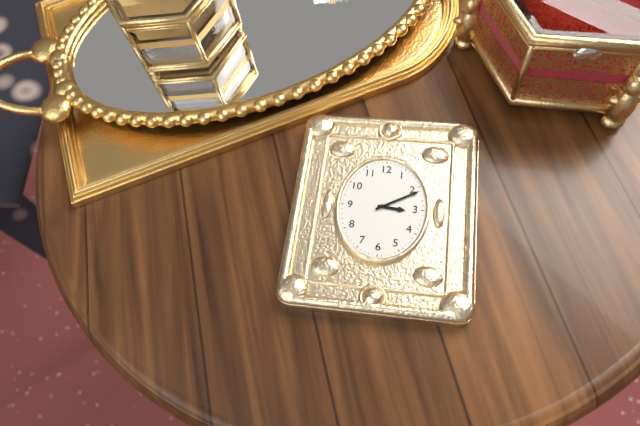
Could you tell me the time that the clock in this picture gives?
3:10
